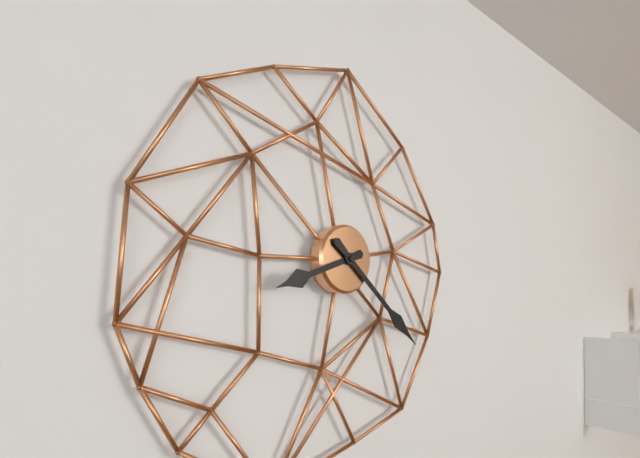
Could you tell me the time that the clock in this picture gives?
8:22
